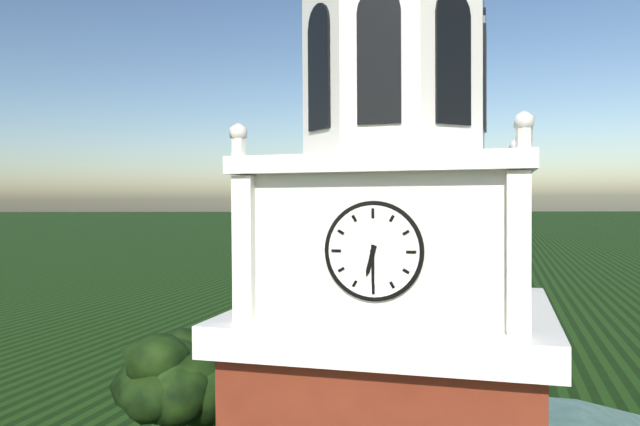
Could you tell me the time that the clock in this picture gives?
6:30
